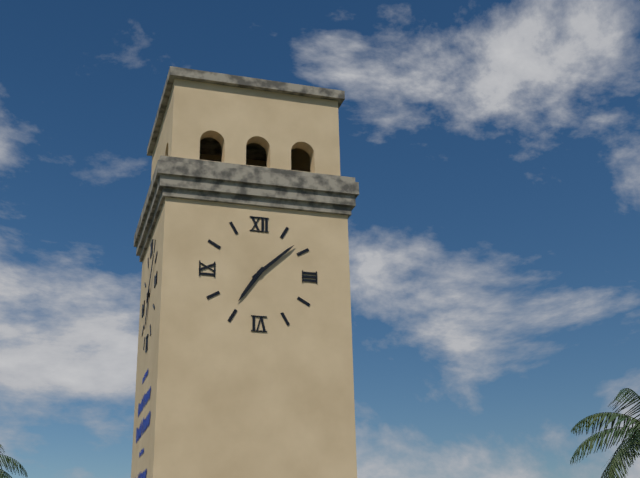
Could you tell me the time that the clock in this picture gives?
7:08
